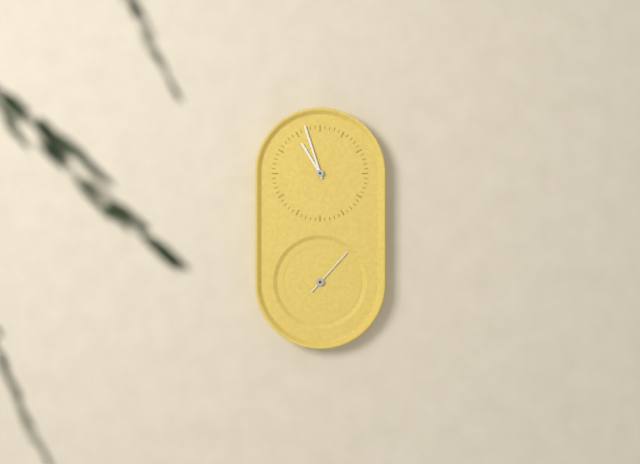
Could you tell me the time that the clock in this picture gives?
10:57:07
